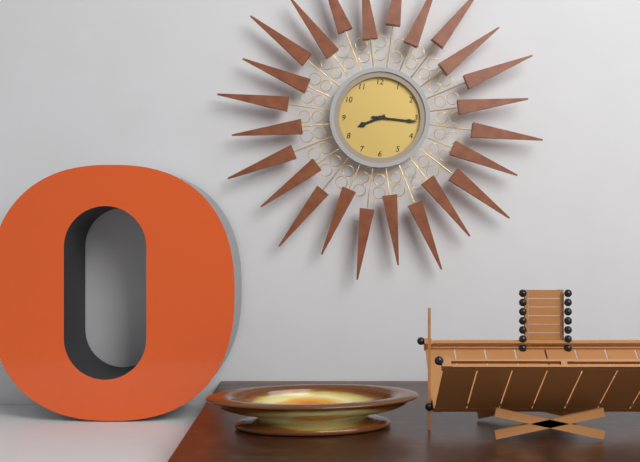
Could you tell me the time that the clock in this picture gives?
8:16
